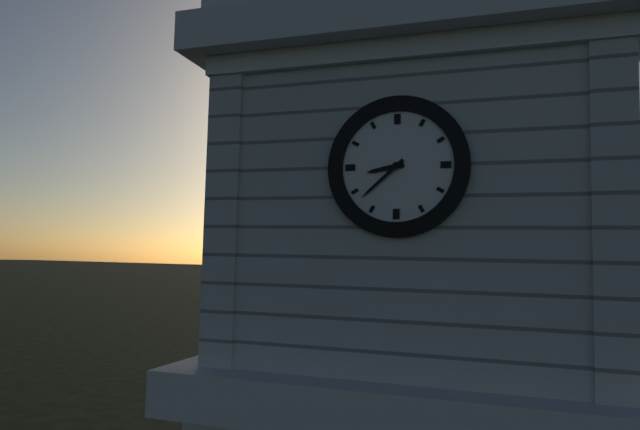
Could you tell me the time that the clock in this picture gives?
8:38
